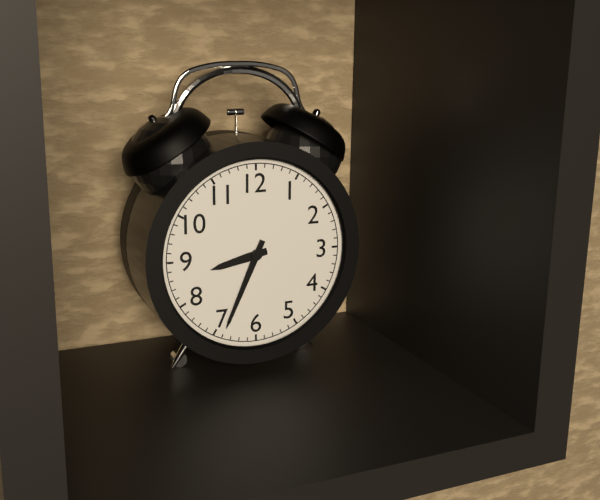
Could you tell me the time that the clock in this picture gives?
8:34
